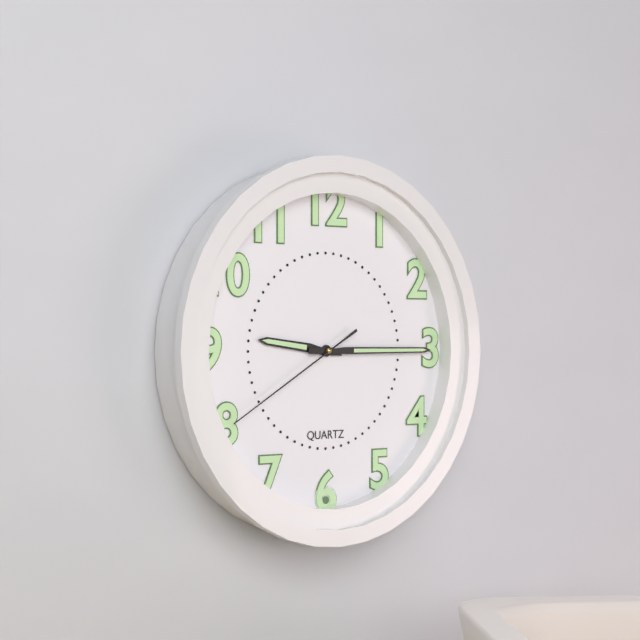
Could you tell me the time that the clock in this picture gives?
9:15:40
